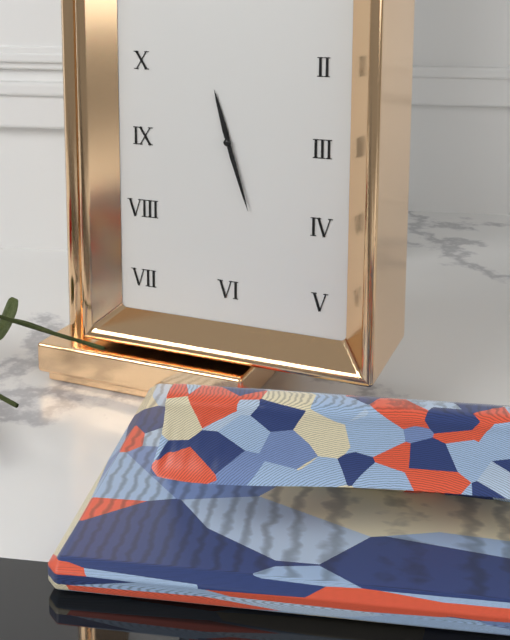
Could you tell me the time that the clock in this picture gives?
11:27
